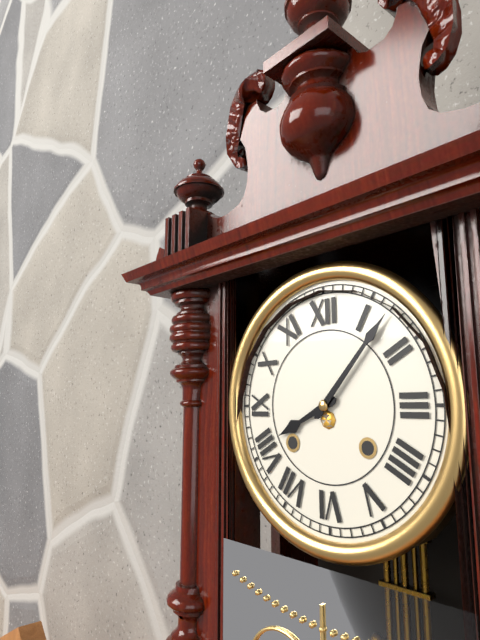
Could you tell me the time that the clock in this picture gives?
8:07
